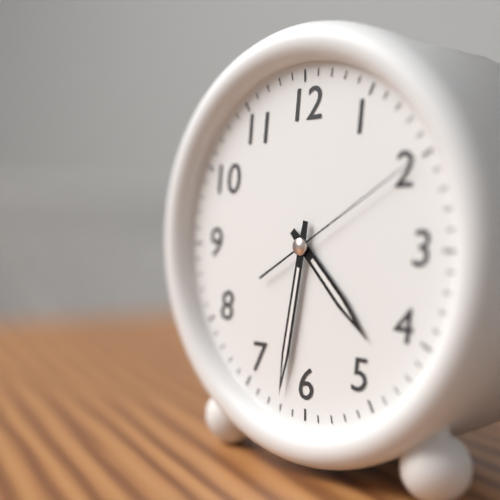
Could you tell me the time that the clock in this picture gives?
4:32:10
